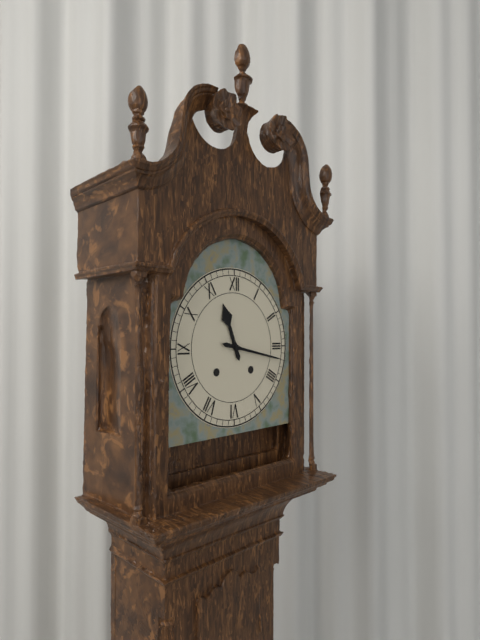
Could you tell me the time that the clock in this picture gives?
11:17
